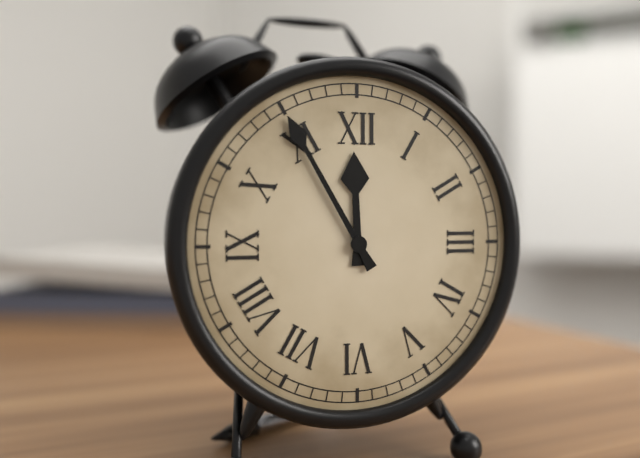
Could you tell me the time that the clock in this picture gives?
11:55
